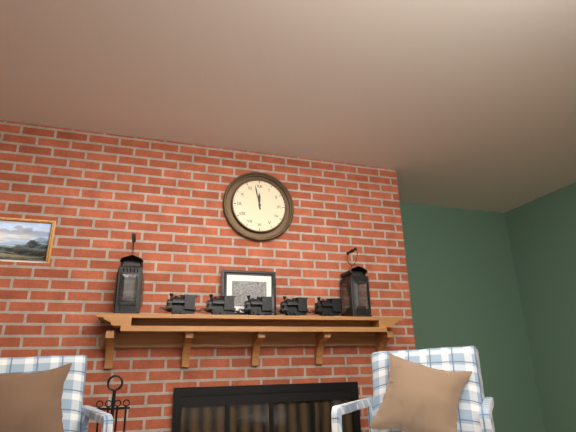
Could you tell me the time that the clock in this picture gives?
11:58
